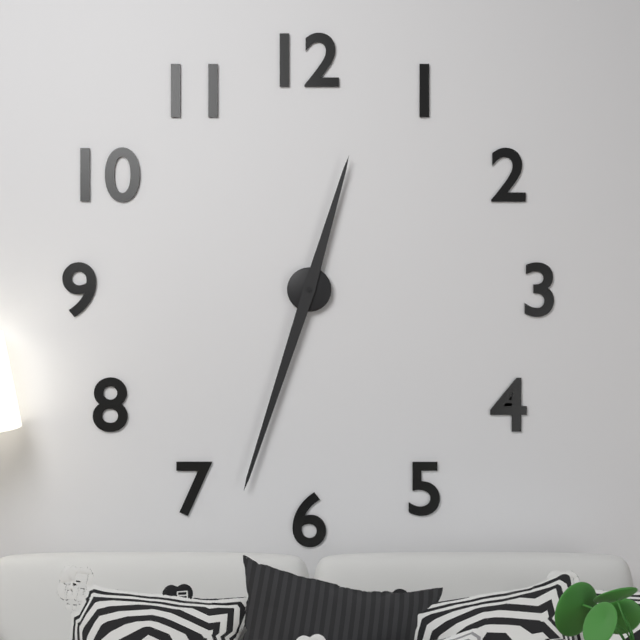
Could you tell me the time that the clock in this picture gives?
12:33
